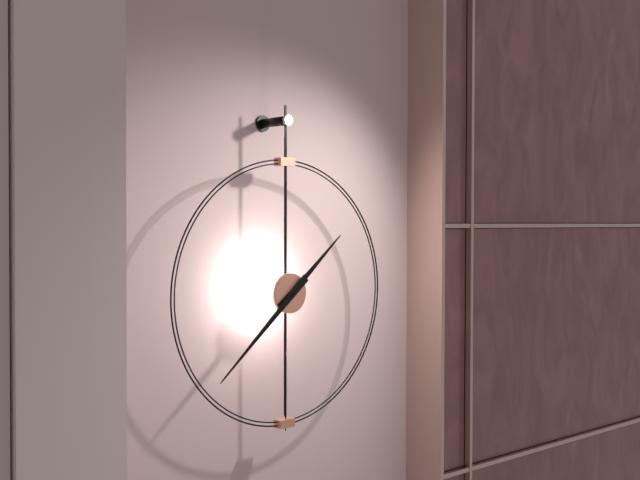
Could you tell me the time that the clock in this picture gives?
1:38
